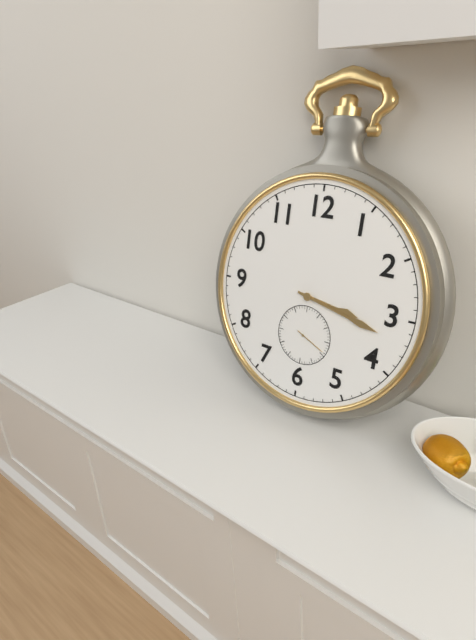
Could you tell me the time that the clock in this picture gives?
3:17
